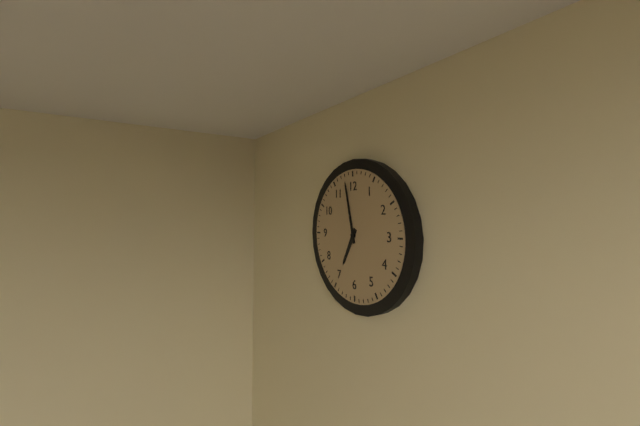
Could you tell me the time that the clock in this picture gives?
6:58
